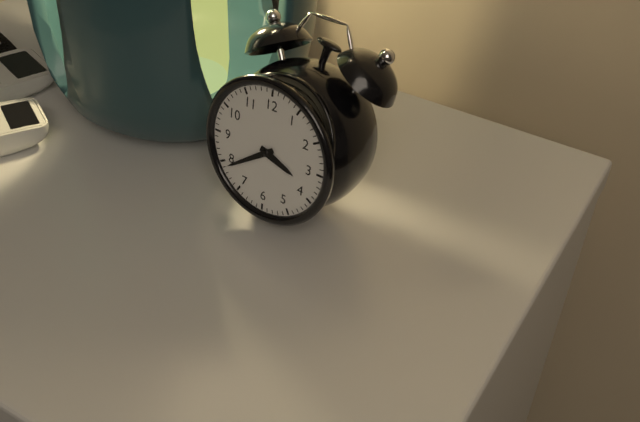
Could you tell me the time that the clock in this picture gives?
3:39
